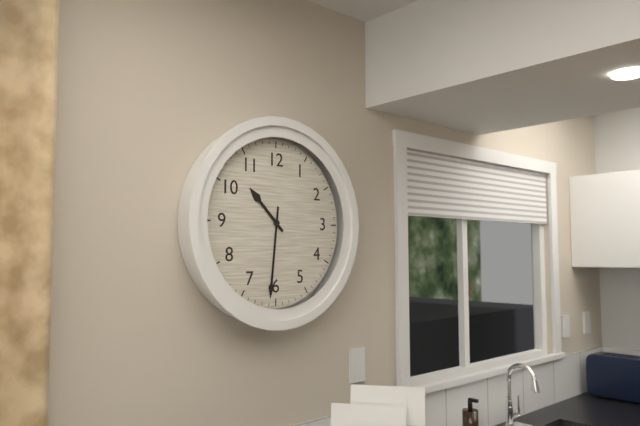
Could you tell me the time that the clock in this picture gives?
10:31
